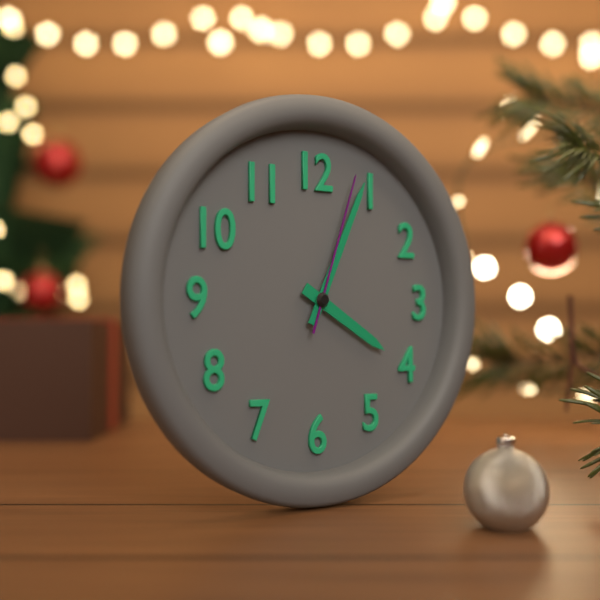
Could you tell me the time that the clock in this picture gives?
4:04:03
